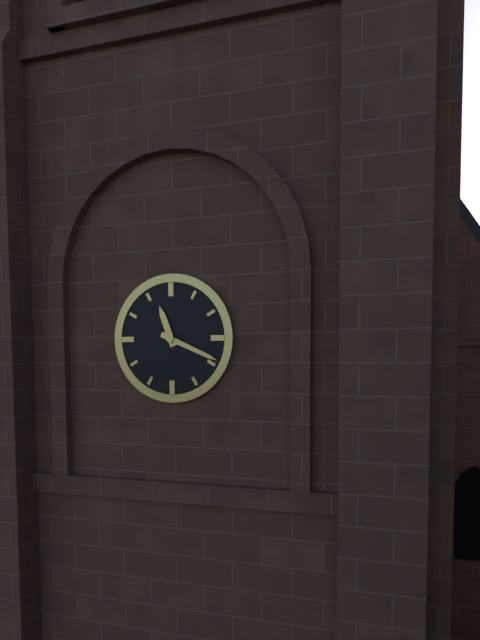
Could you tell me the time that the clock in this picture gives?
11:19
